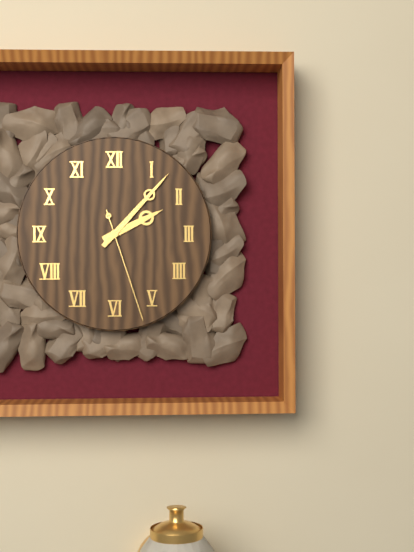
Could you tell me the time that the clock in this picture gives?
2:07:27
